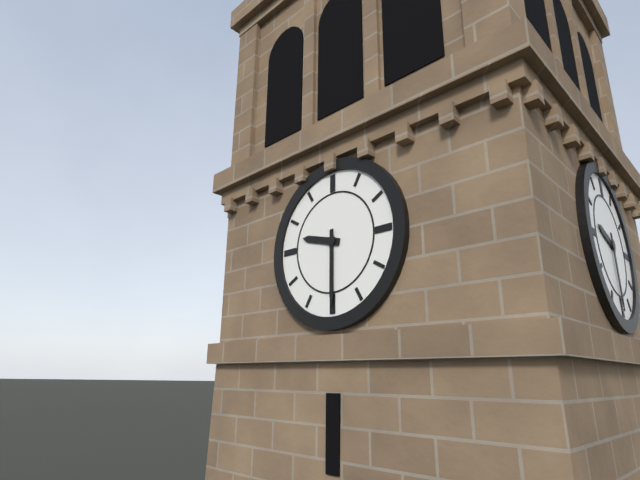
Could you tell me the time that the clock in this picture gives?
9:30
